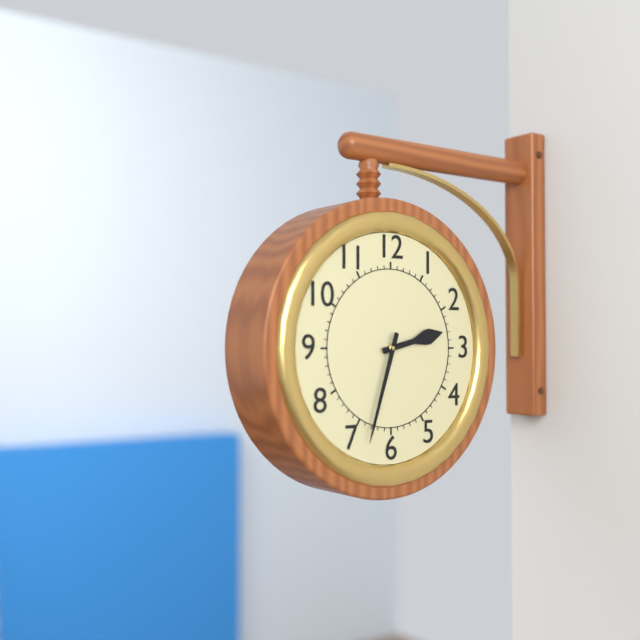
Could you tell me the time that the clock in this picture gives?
2:33
